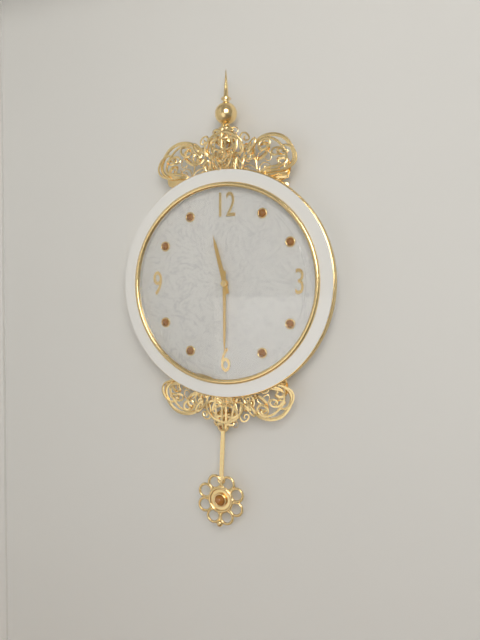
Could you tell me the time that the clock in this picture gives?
11:30
